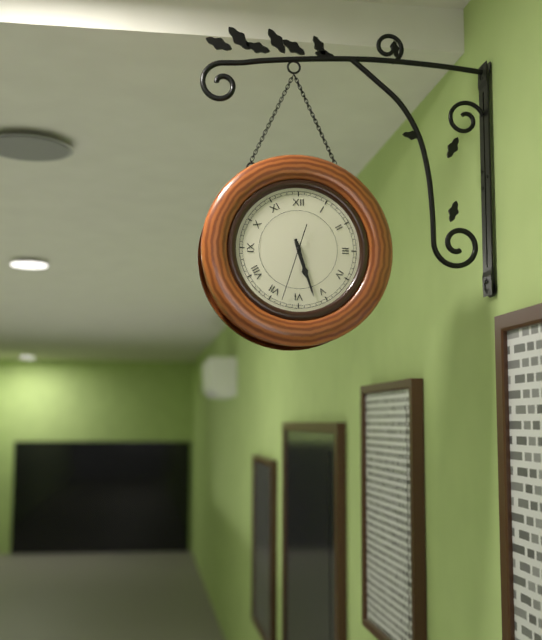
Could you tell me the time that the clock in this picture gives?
5:27:33
